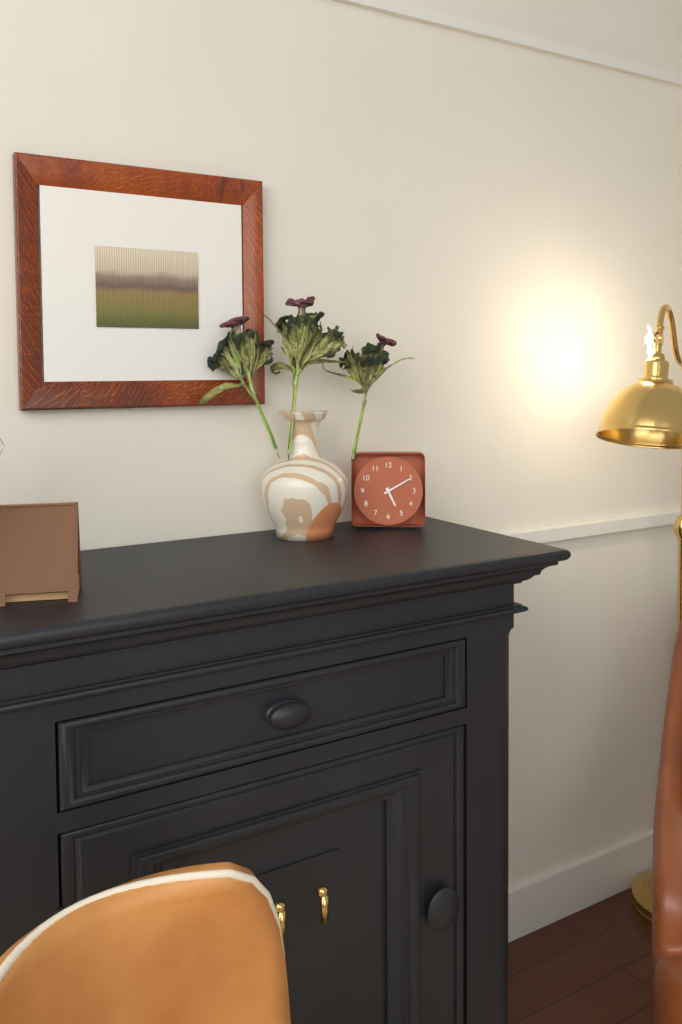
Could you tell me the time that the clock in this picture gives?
5:10
